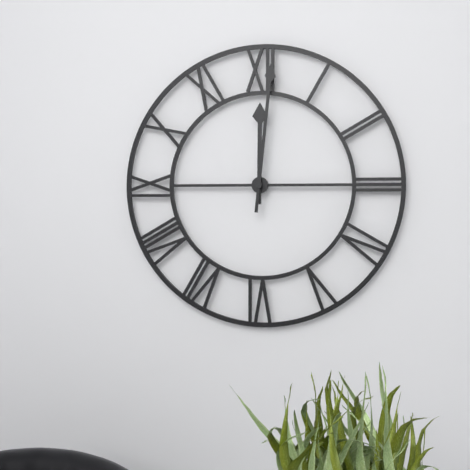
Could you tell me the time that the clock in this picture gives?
12:01
